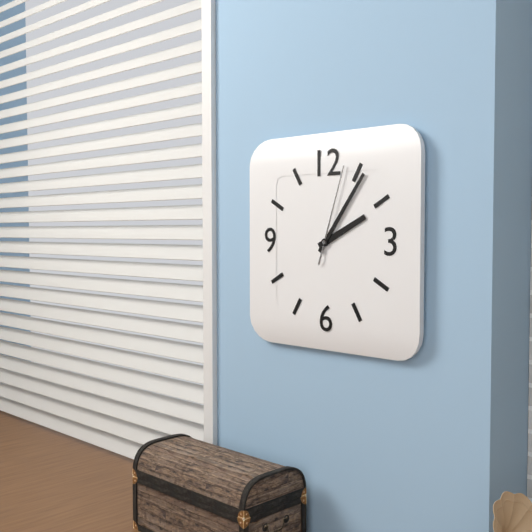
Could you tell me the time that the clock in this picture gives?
2:06:03
